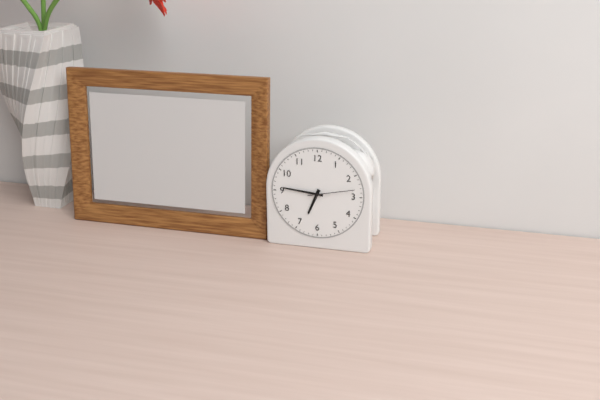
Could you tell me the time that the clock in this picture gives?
6:46
